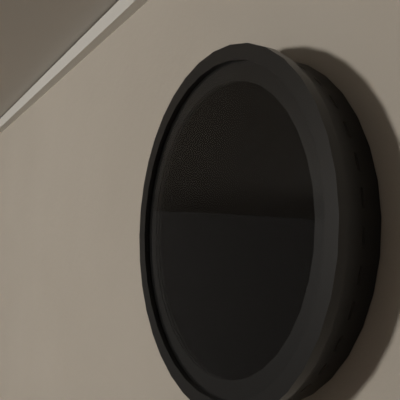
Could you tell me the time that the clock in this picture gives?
3:55
